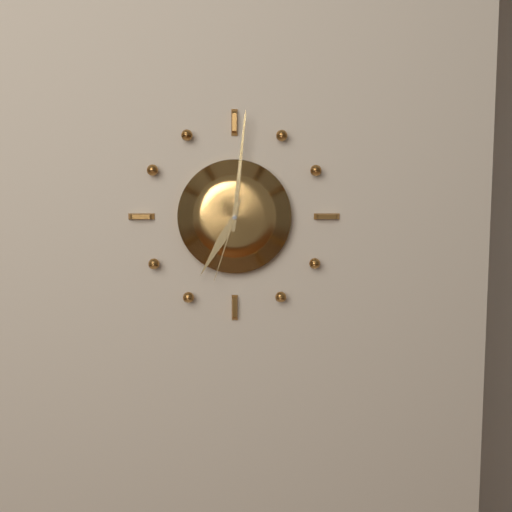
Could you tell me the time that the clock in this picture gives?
7:01:33
